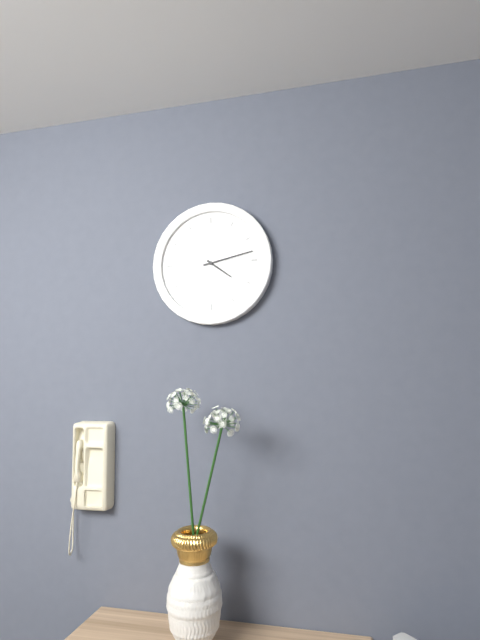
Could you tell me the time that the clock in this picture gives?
4:13
